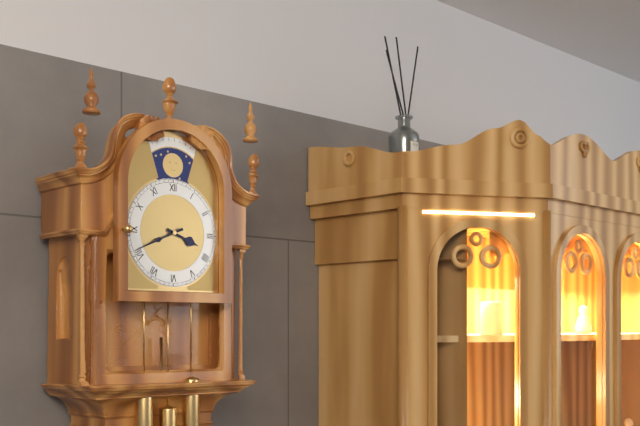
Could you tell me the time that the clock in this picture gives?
3:41
